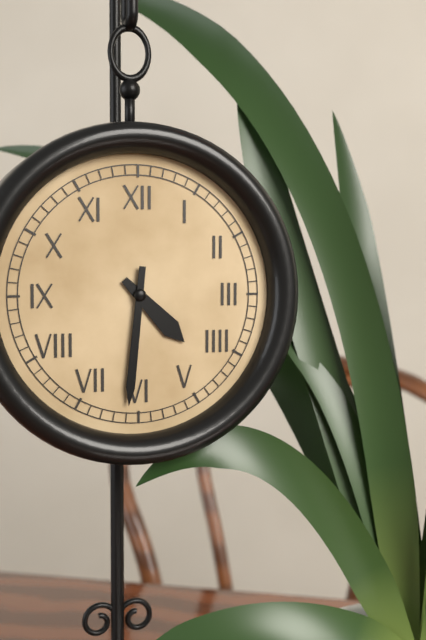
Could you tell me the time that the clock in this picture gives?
4:31
